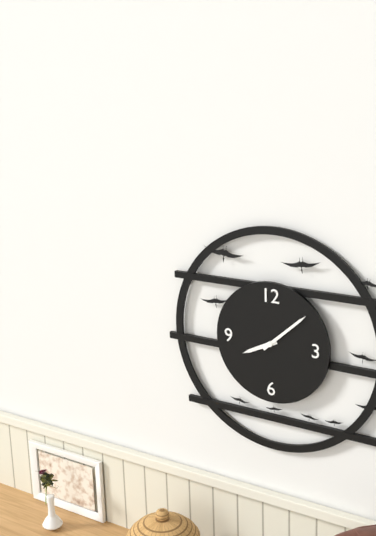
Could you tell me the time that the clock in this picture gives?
8:08
